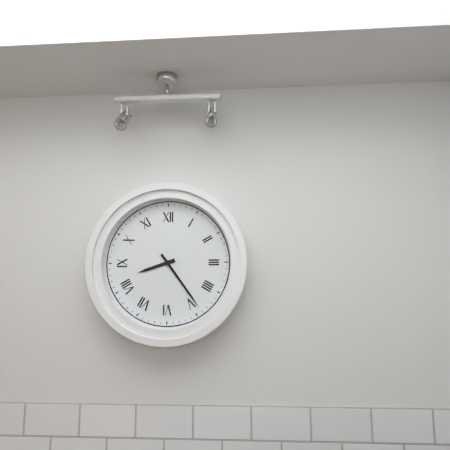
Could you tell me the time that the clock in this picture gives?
8:24
